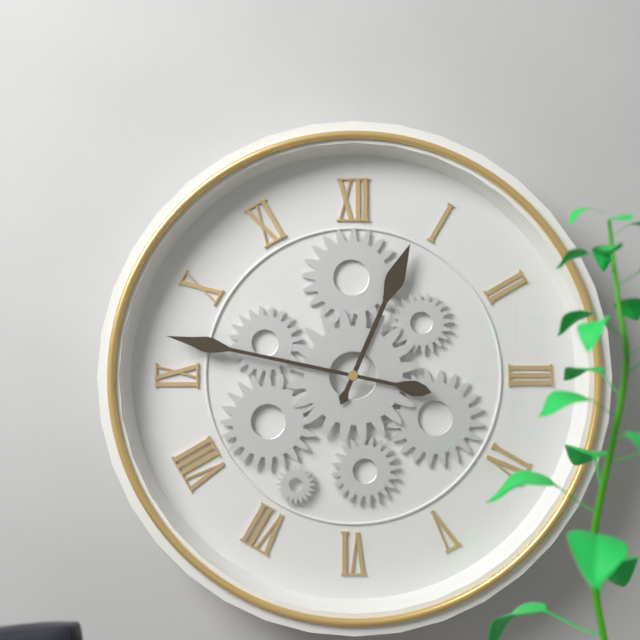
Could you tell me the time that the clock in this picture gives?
12:47
